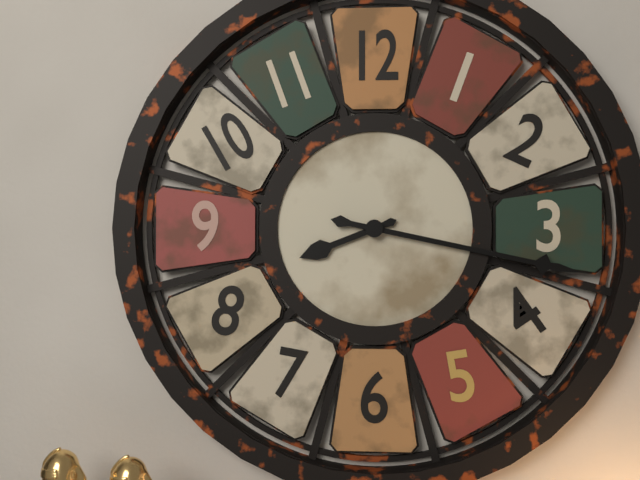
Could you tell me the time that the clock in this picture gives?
8:17
